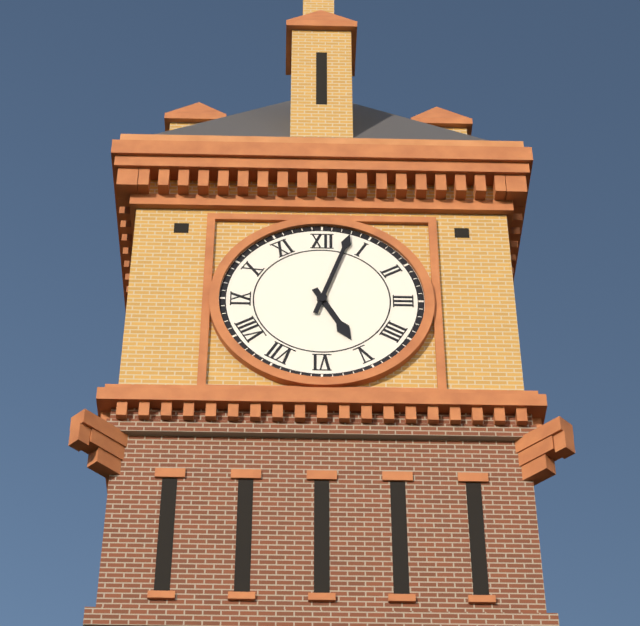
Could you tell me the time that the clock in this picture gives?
5:03
